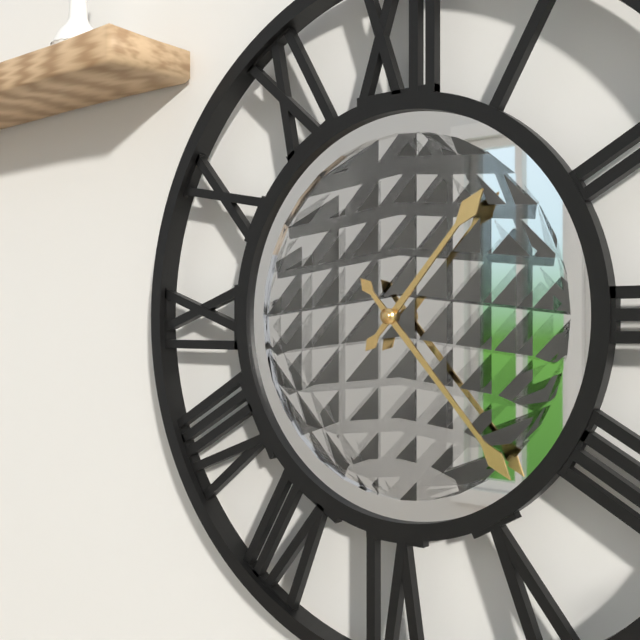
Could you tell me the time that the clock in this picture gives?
1:23
